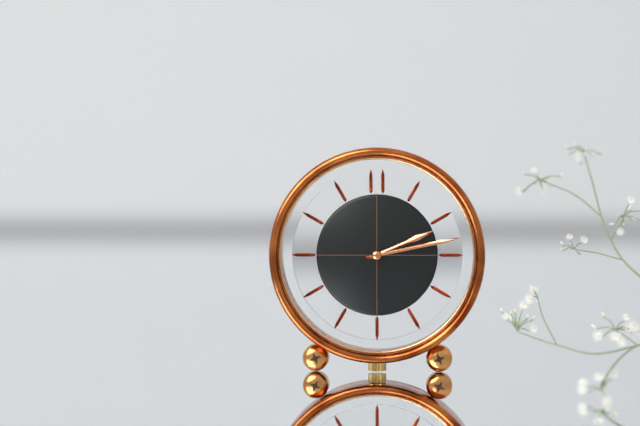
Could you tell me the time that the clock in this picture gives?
2:13
